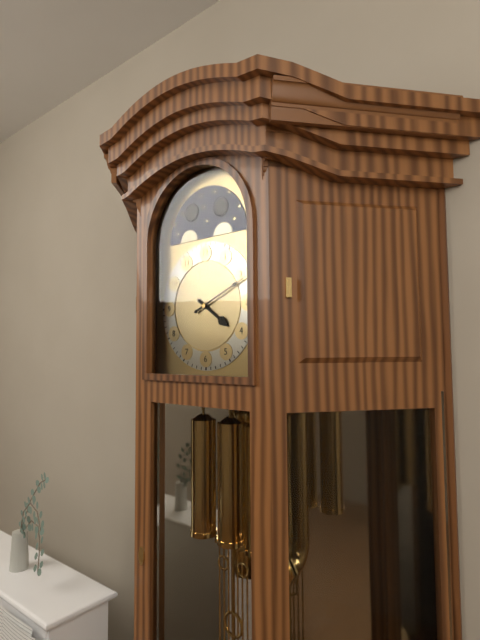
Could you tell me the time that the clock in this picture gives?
4:11
